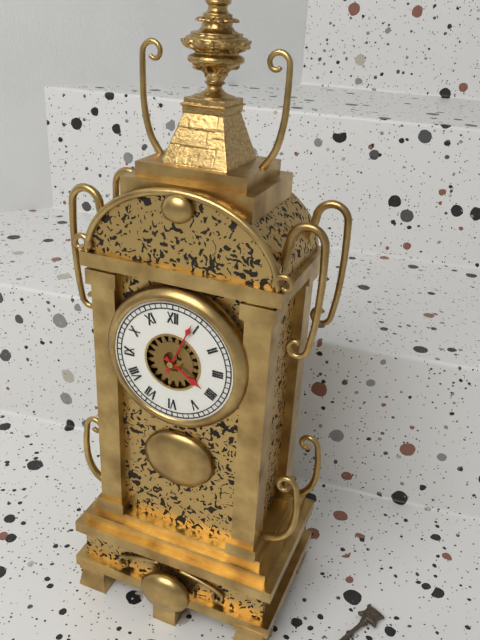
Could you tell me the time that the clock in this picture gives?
4:04
